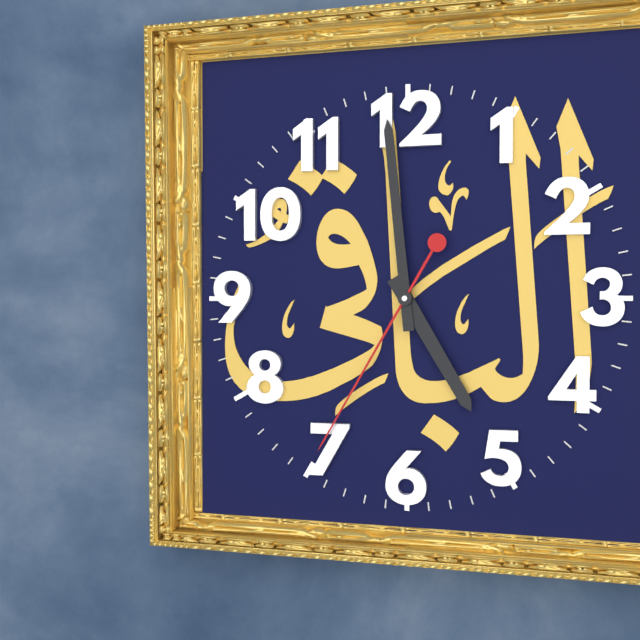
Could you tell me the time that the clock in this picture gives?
4:59:35
